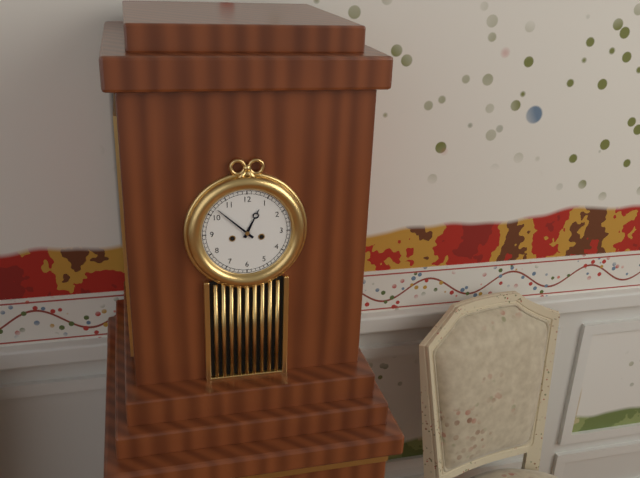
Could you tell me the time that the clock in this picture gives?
12:52
